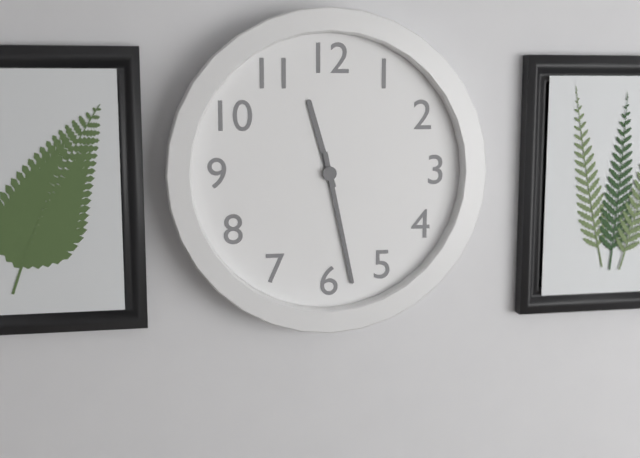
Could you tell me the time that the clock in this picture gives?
11:28
